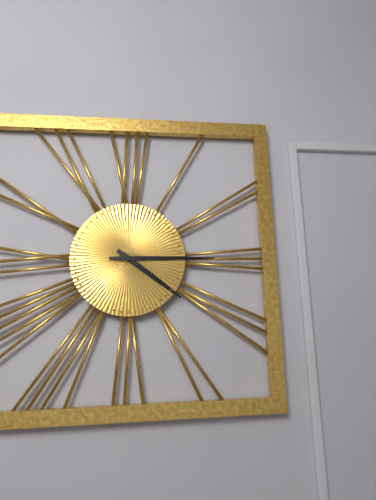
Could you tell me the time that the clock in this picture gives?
4:15
